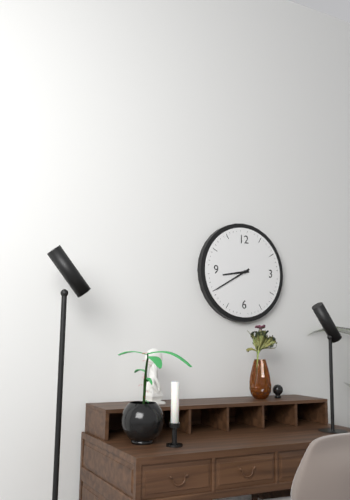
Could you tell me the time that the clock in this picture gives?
8:40
